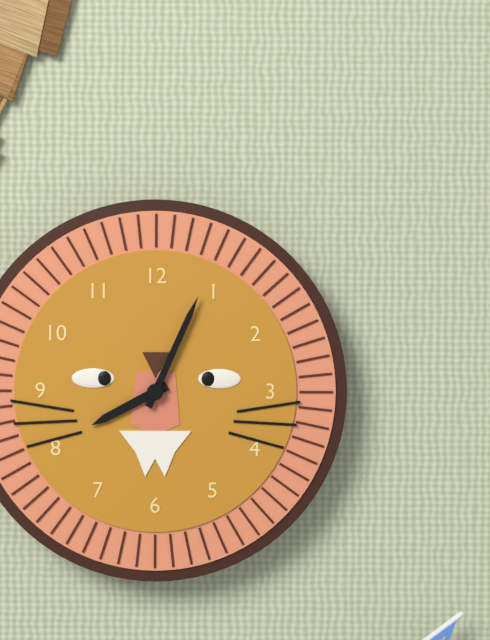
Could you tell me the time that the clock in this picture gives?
8:04
